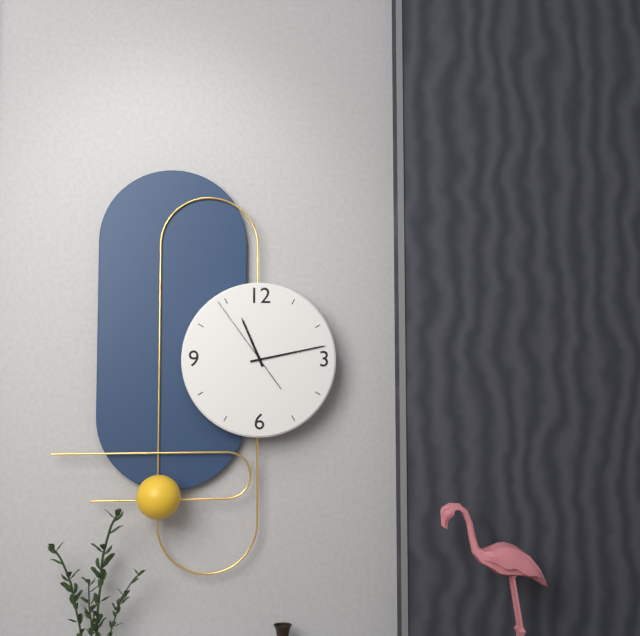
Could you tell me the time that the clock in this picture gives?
11:13:54
